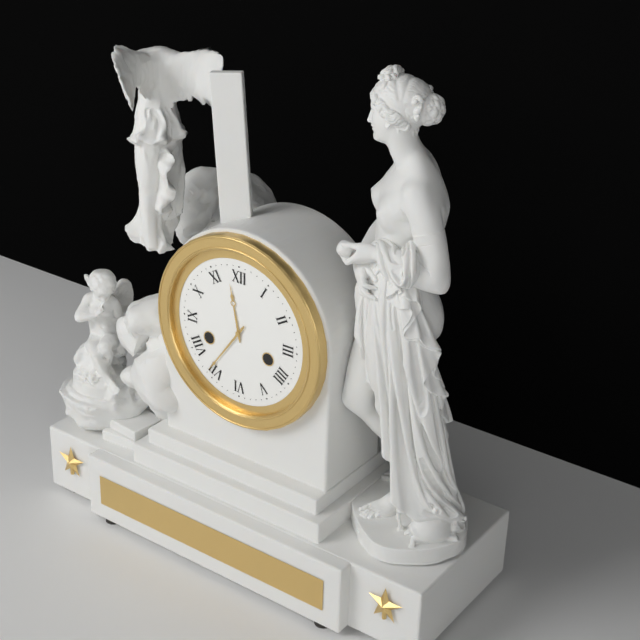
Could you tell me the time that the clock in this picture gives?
11:36
